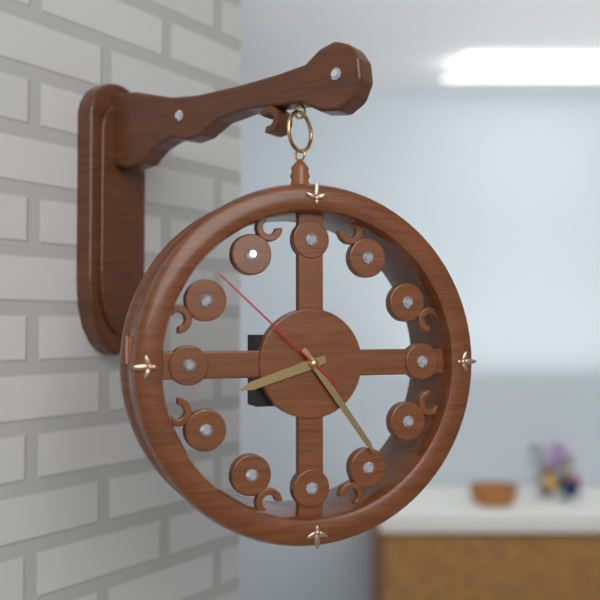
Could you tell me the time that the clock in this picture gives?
8:24:52
